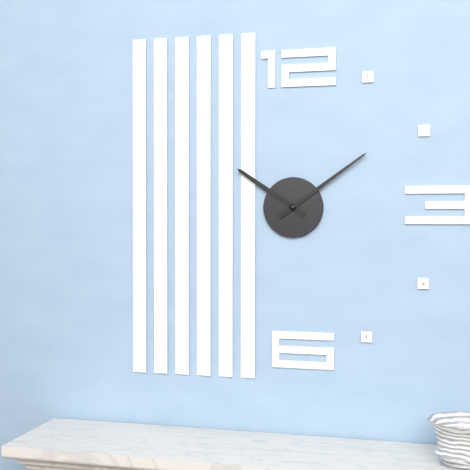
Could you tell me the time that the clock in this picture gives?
10:09
